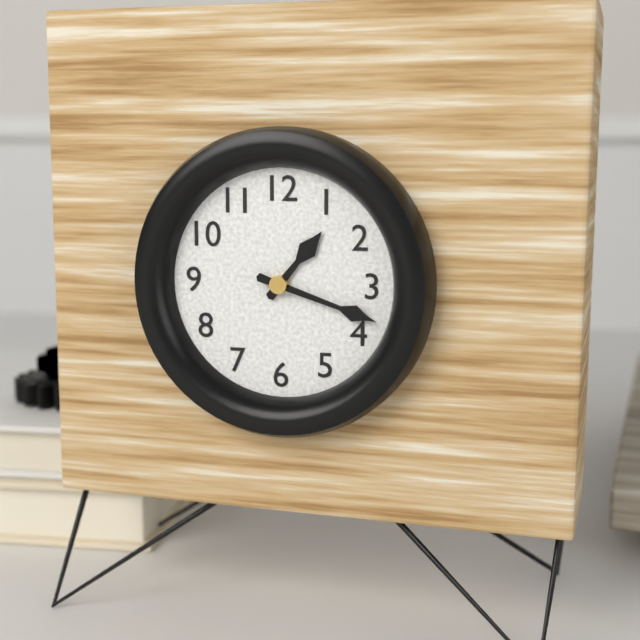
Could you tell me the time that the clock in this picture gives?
1:18
